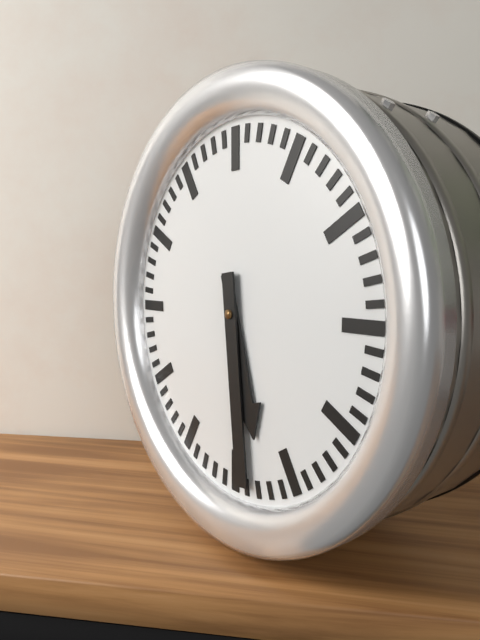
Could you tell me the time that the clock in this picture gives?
5:29
